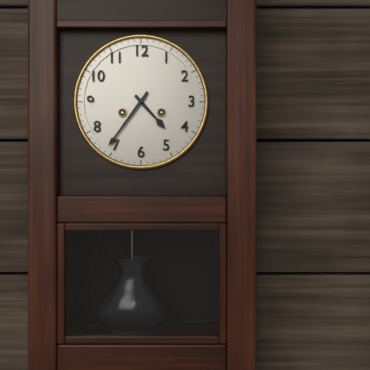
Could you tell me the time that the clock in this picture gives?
4:36
